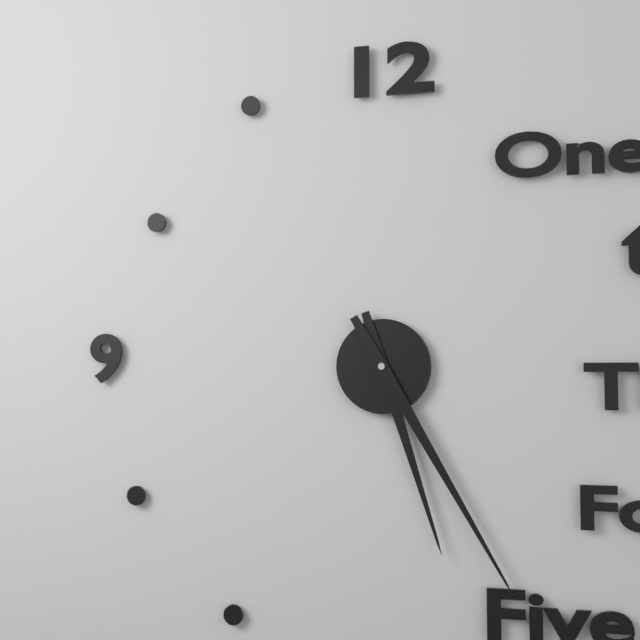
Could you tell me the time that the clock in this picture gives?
5:25
